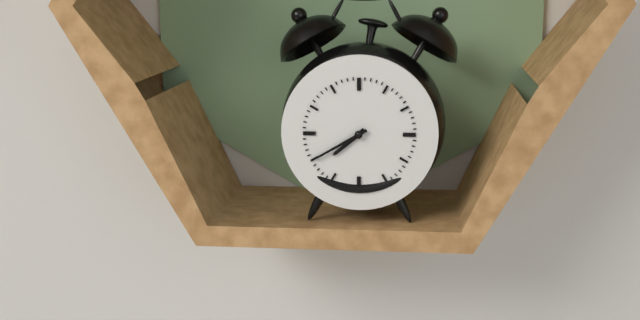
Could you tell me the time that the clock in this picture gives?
7:40
